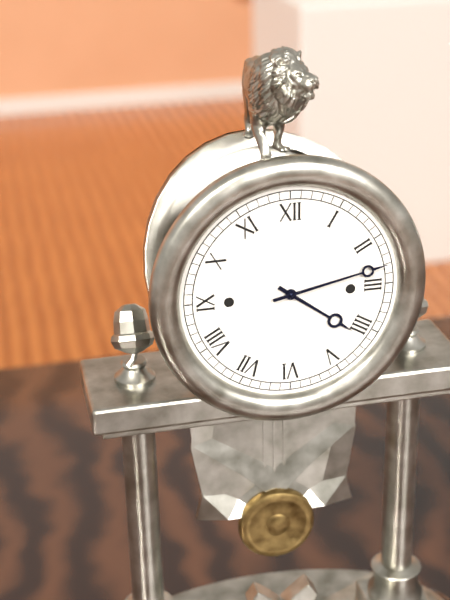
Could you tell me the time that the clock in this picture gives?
4:13
